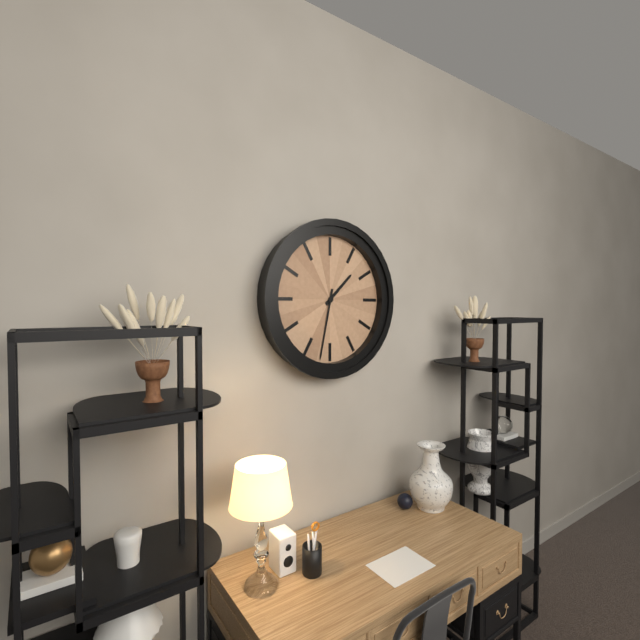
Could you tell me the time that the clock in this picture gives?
1:32
